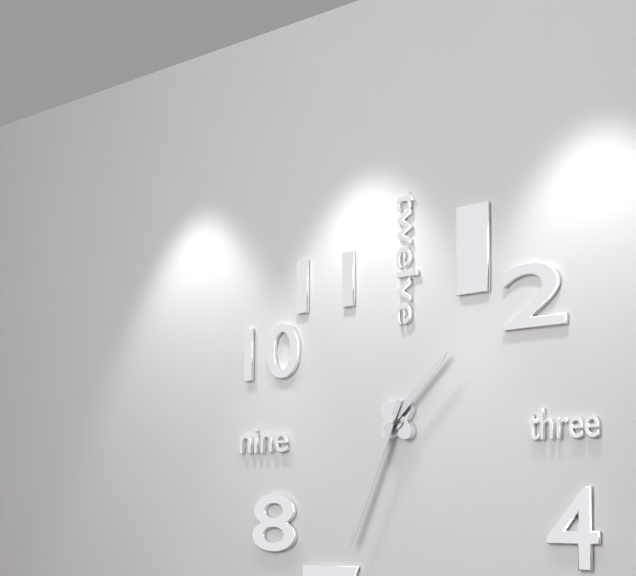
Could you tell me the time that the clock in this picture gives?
1:34
